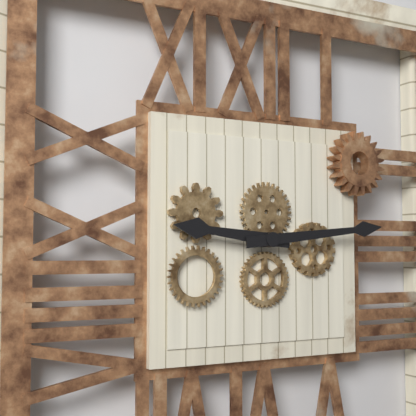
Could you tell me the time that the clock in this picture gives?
9:14
